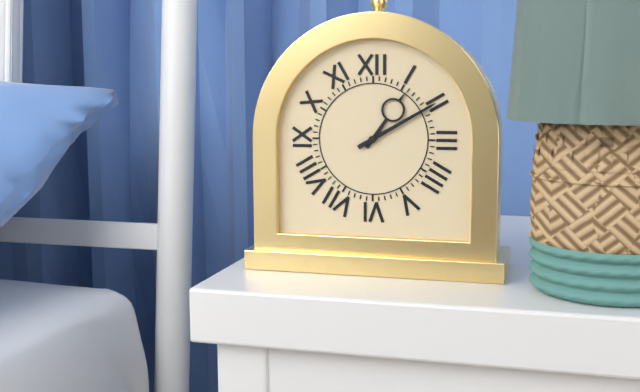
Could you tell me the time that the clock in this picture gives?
1:10
